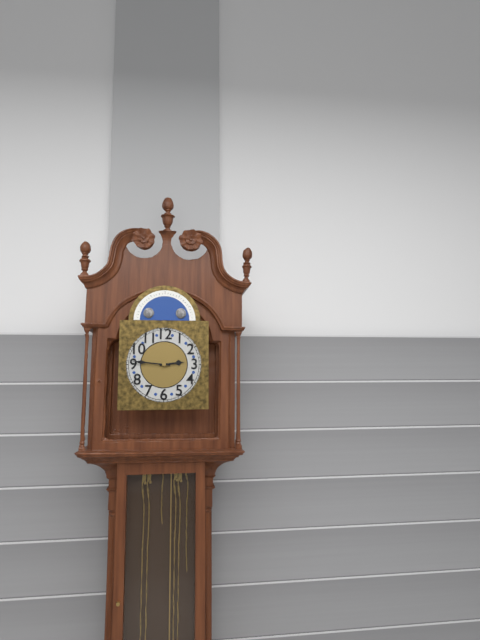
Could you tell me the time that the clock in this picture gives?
2:46
